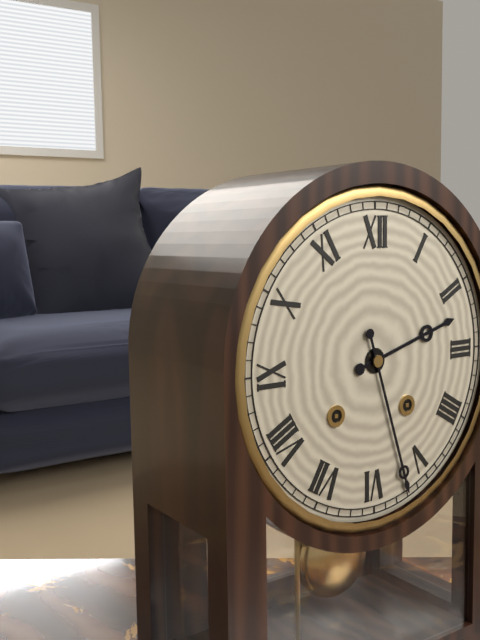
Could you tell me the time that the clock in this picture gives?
2:27
